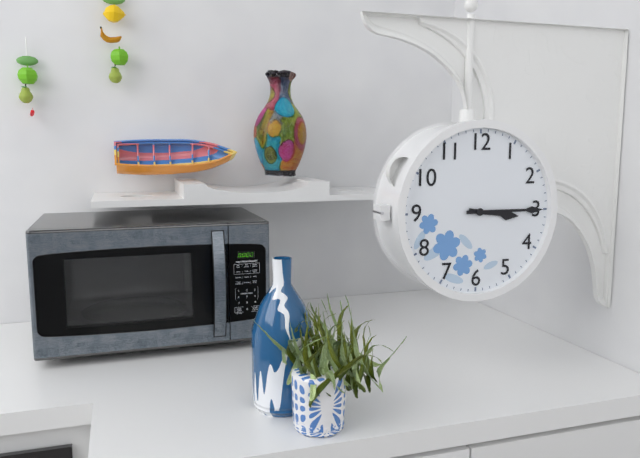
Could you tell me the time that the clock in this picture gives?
3:15
